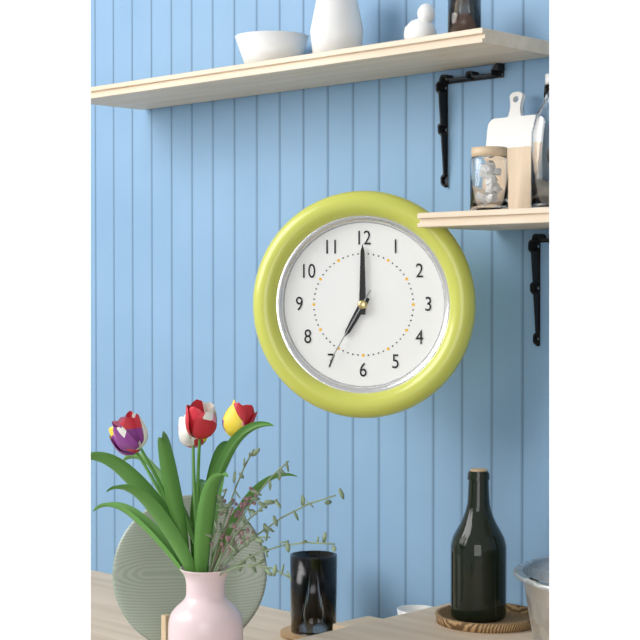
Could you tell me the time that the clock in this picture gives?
7:00:35
